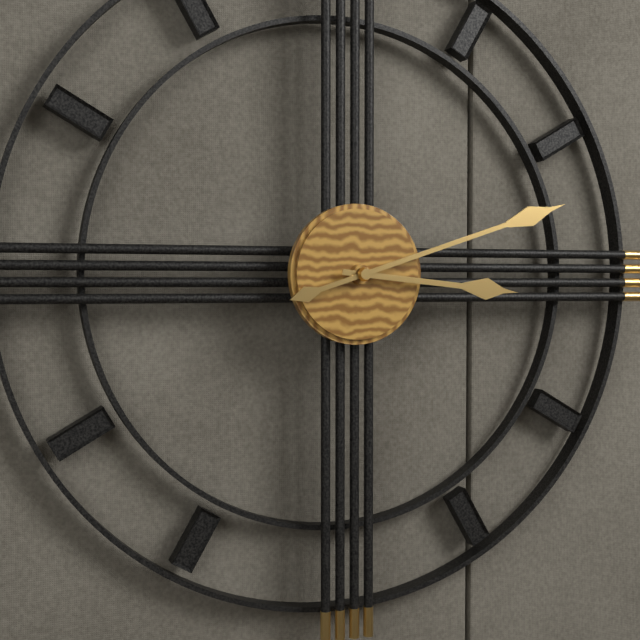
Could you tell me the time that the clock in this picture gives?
3:12
